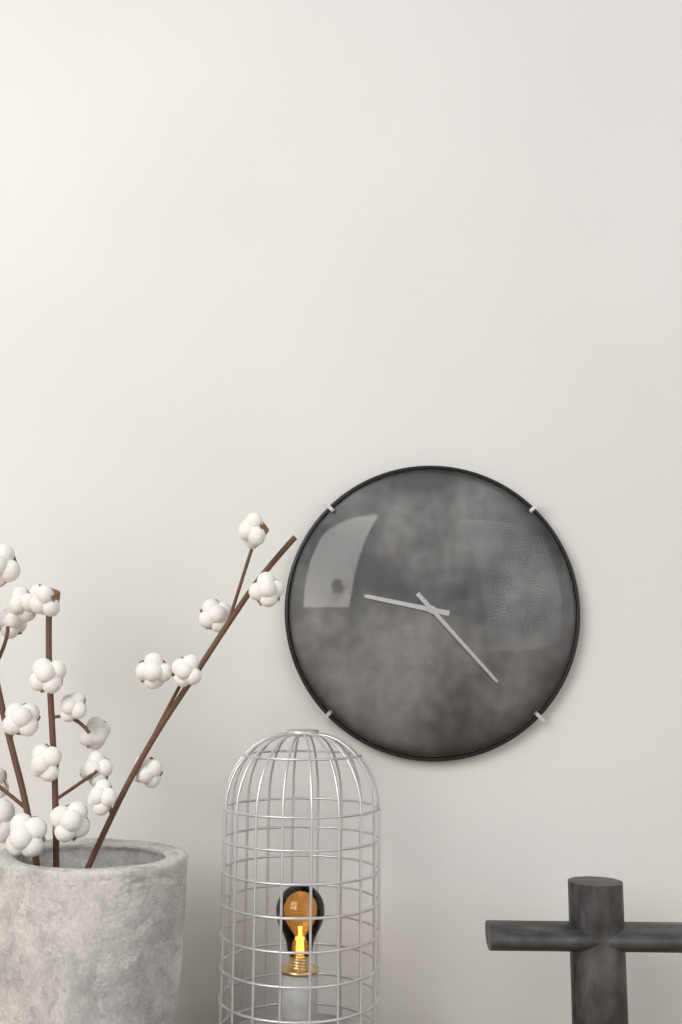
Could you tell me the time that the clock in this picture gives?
9:23
